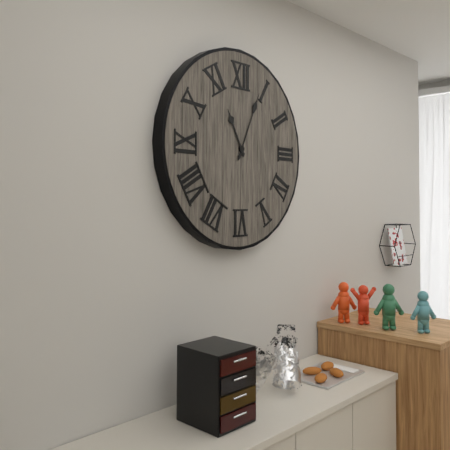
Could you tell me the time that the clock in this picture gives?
11:04
